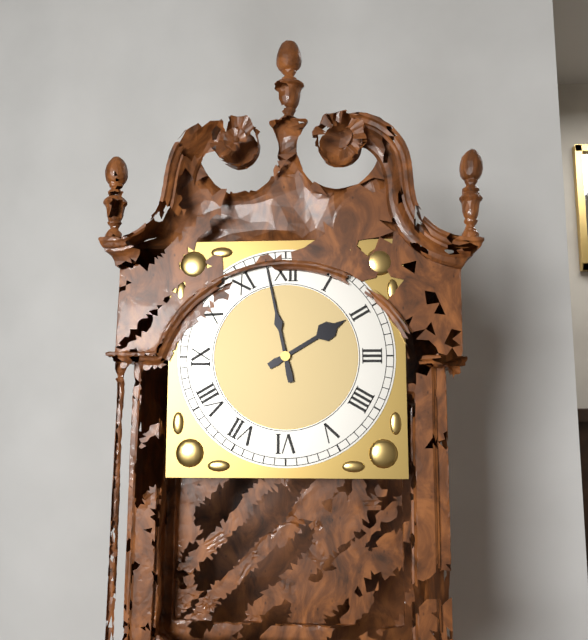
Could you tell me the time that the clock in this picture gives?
1:58
